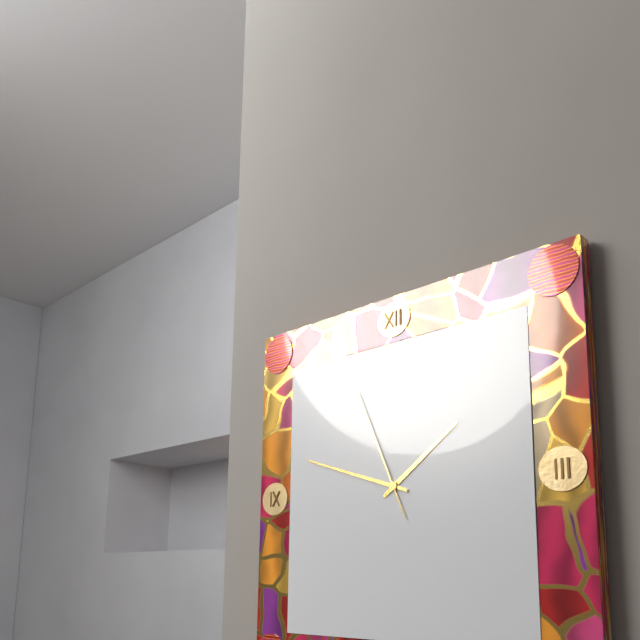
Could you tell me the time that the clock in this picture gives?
1:48:56
